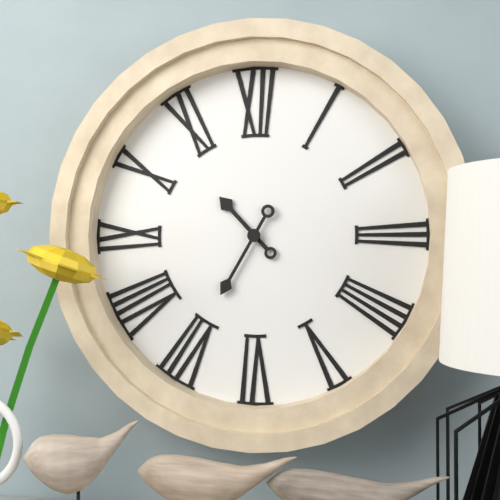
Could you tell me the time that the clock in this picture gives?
10:35
